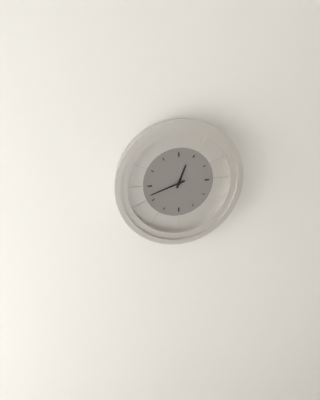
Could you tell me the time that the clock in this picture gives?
12:42
